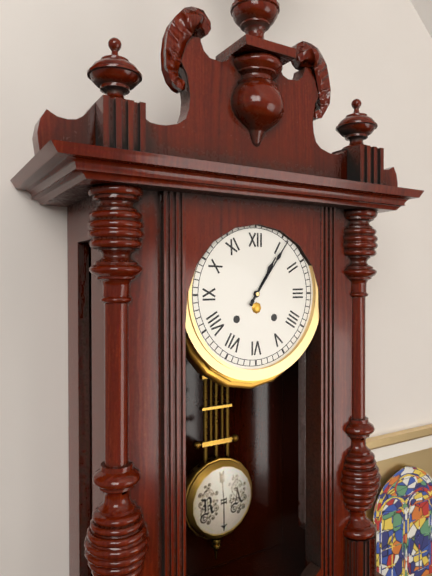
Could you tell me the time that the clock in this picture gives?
1:06
